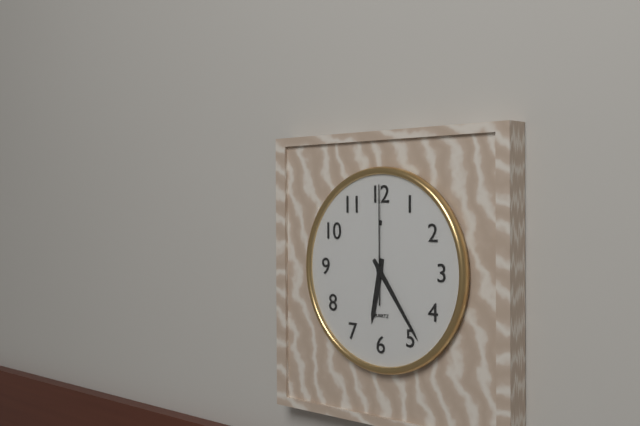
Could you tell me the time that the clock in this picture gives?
6:24:00
